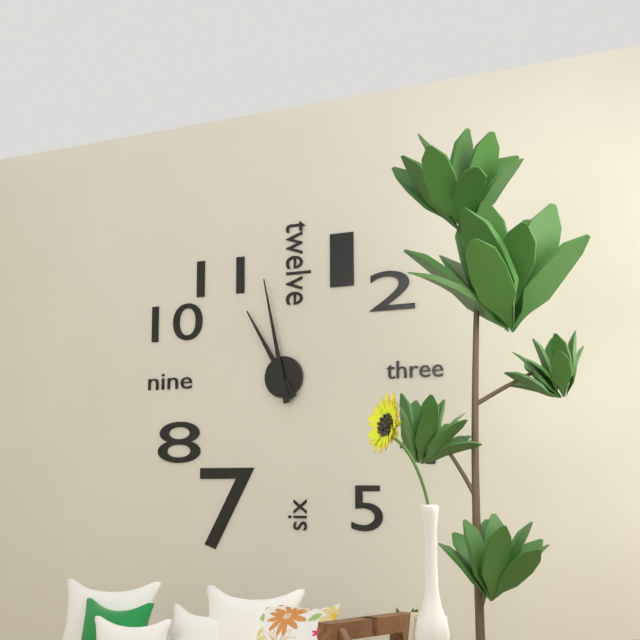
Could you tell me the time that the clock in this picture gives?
10:58
